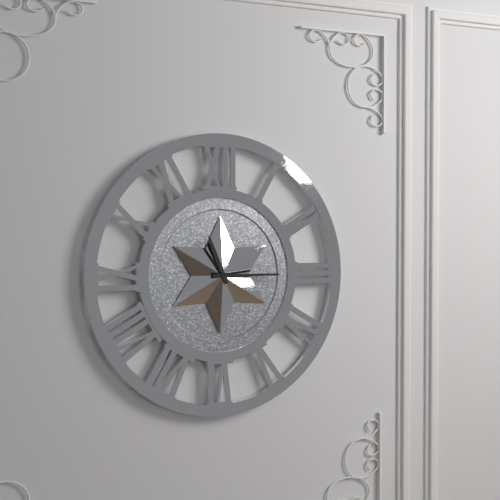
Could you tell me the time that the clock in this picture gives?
11:15
